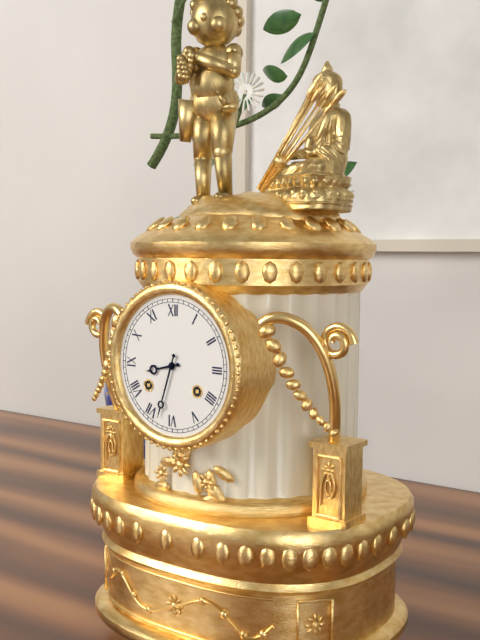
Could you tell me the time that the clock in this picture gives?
8:33
